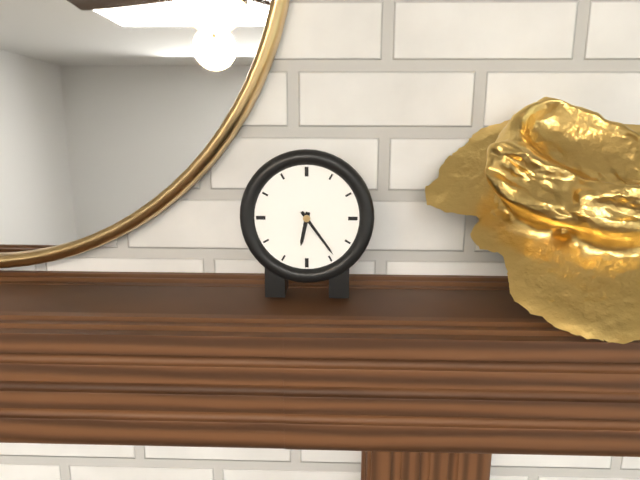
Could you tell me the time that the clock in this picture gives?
6:24
